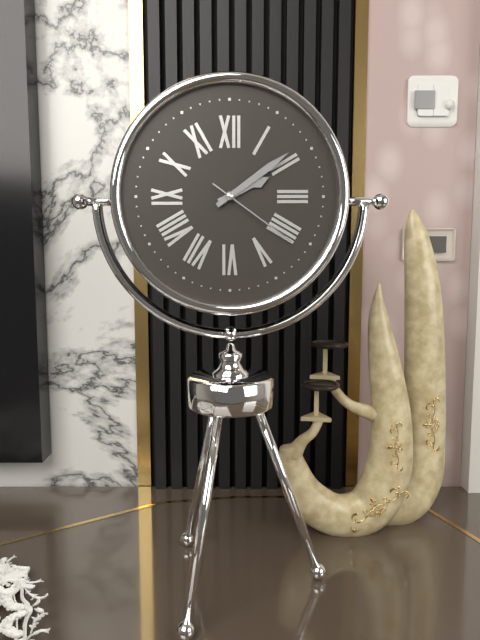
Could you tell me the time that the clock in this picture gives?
2:09:21
